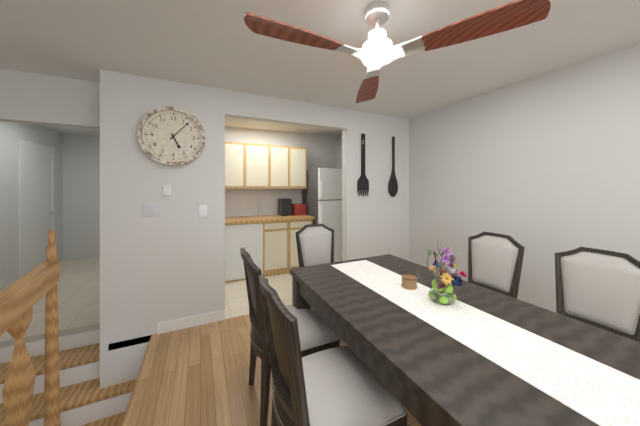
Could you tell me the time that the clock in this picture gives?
5:07
